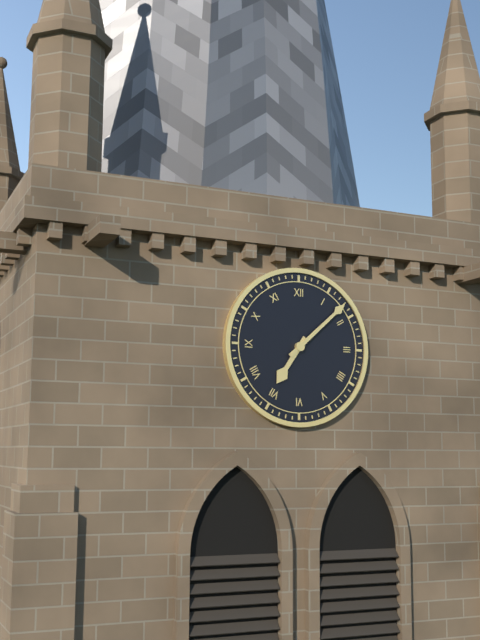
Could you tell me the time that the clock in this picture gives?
7:08
